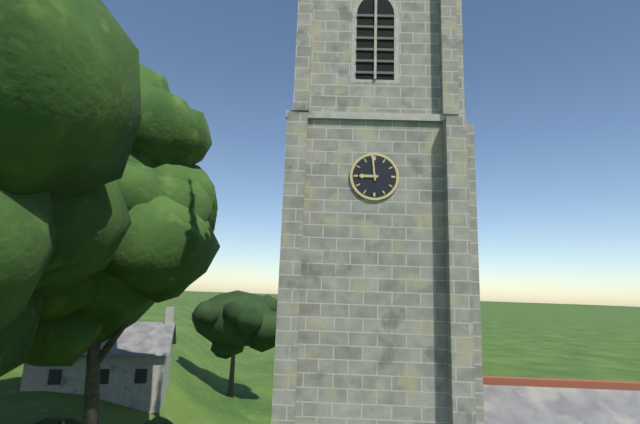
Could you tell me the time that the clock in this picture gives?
8:59
